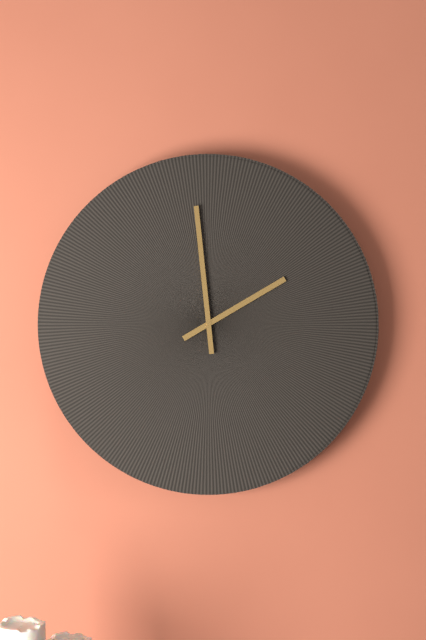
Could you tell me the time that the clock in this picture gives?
1:59
